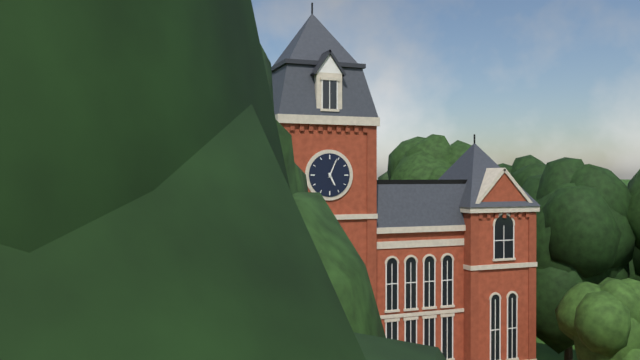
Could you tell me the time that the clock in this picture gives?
5:04
